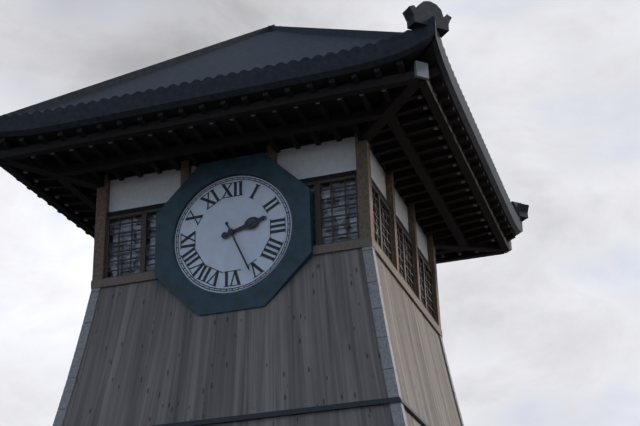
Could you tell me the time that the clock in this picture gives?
2:26
